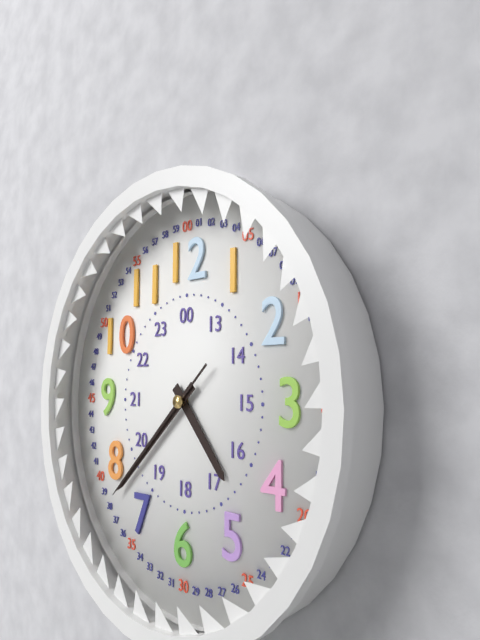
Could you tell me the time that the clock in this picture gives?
4:38:38
